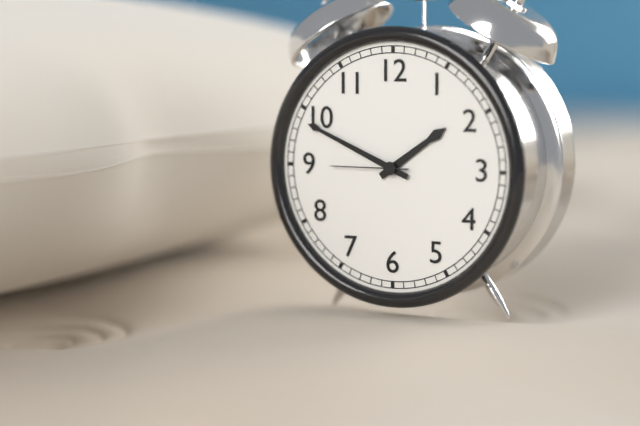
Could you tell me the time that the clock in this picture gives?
1:49:45
